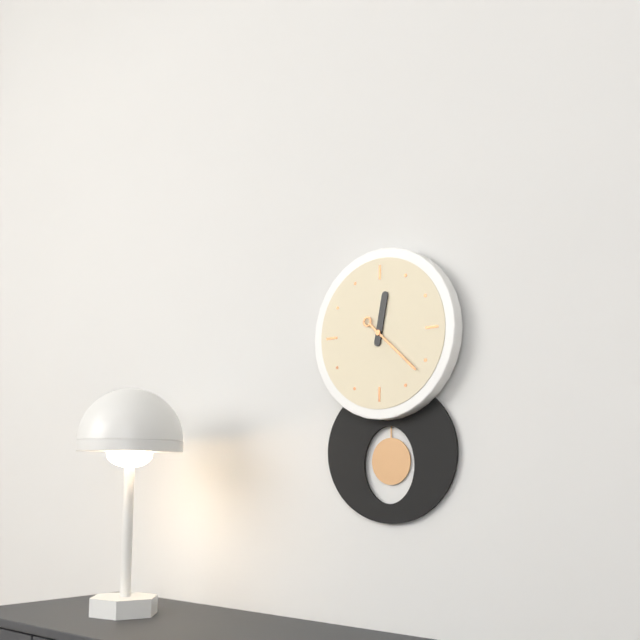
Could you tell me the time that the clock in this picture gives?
12:22
